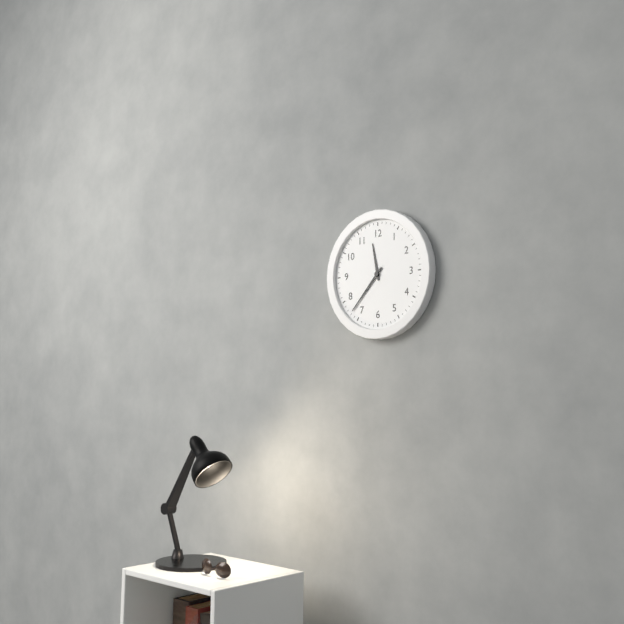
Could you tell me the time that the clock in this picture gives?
11:37
